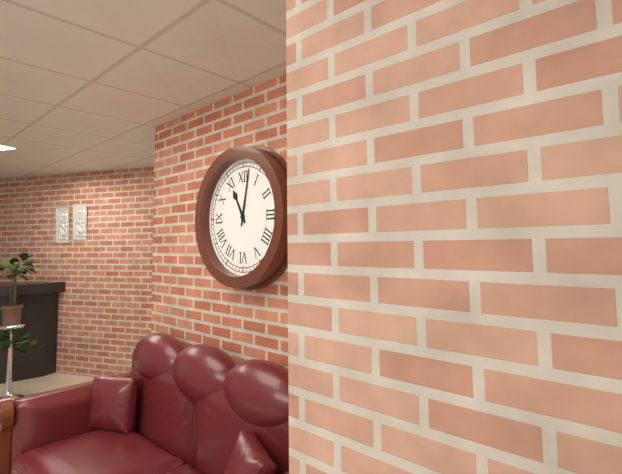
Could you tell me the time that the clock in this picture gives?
11:02
